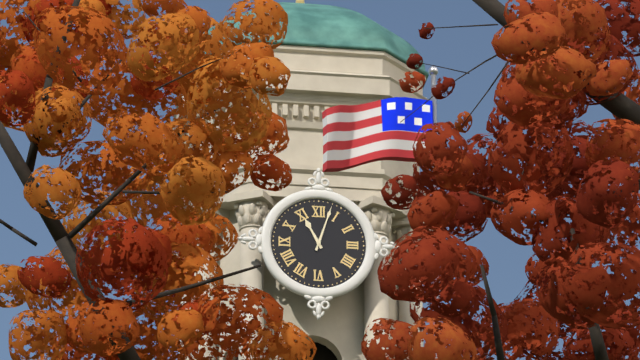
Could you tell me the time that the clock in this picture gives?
11:03
